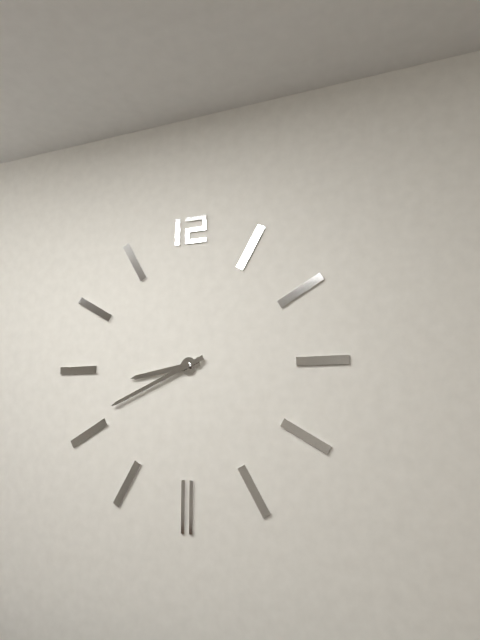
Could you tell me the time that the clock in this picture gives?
8:41
